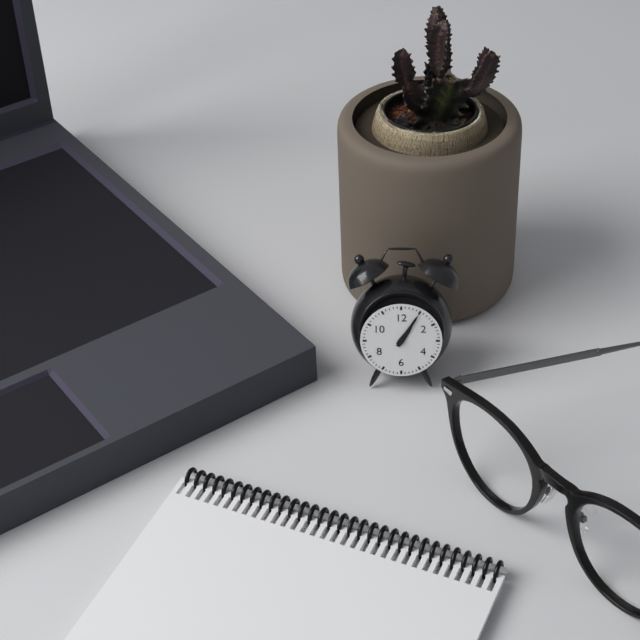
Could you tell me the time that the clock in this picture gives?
1:05
